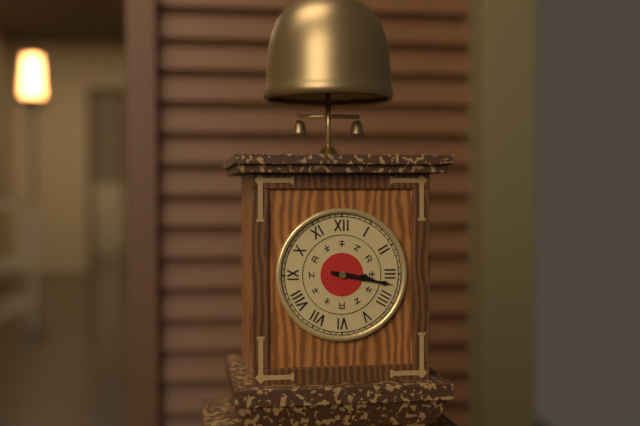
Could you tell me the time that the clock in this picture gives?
3:17
